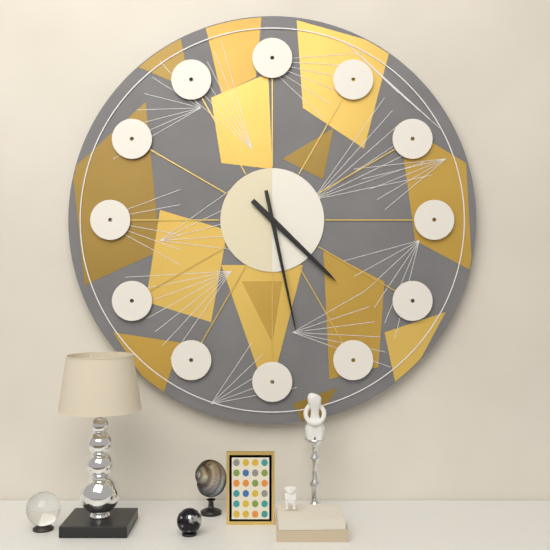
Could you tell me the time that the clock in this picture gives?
4:28
